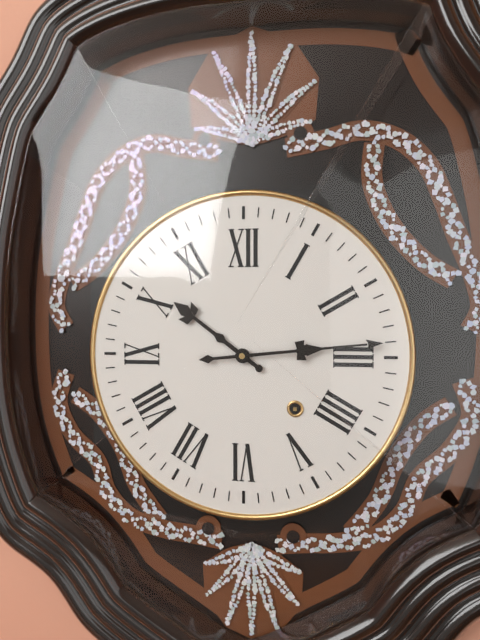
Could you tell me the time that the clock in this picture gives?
10:14
